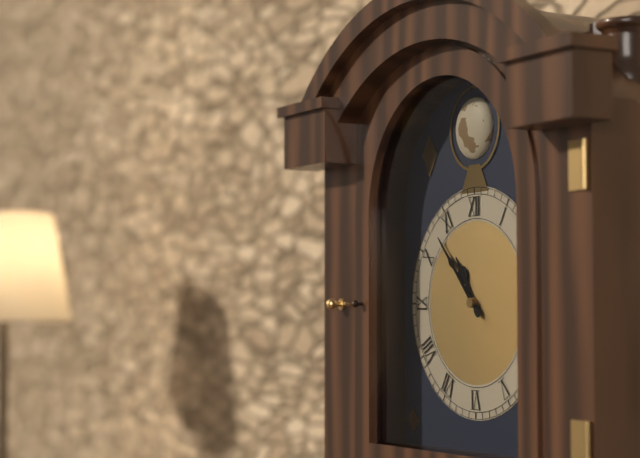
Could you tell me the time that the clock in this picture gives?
10:53
